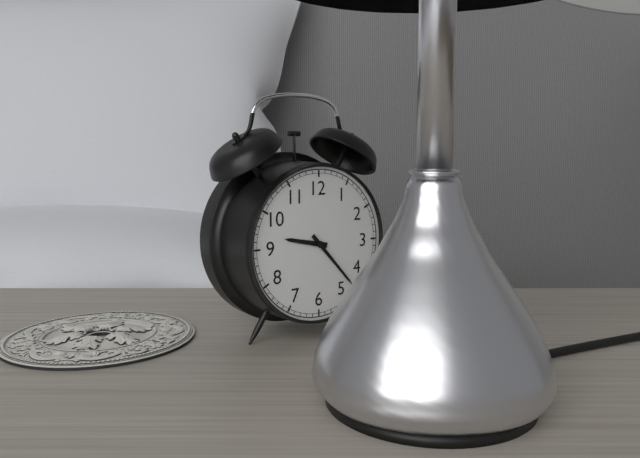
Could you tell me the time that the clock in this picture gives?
9:23
